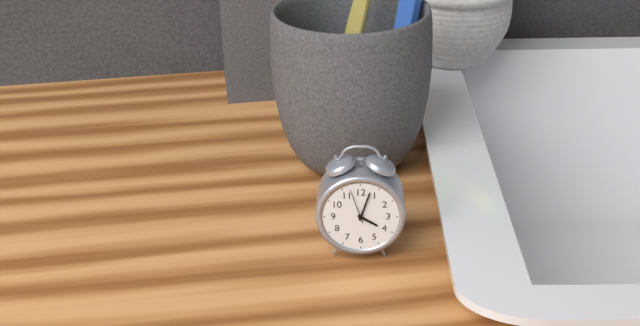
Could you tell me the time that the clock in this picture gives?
4:03
